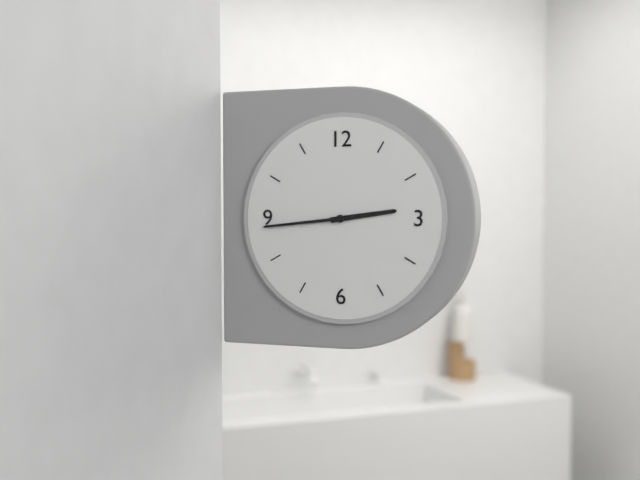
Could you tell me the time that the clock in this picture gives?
2:44
